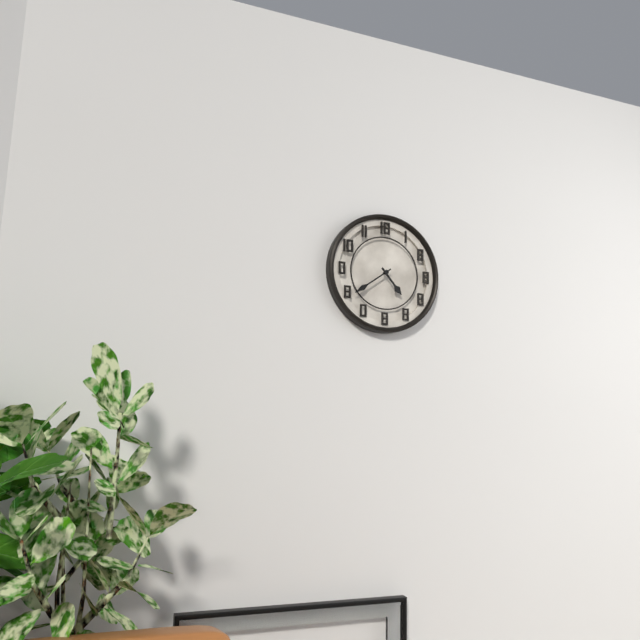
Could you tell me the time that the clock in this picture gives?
4:39
